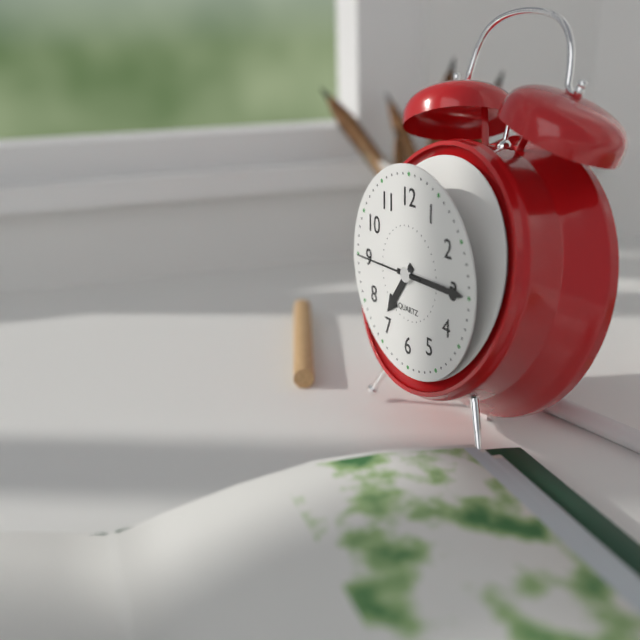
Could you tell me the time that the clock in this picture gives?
7:15:45
